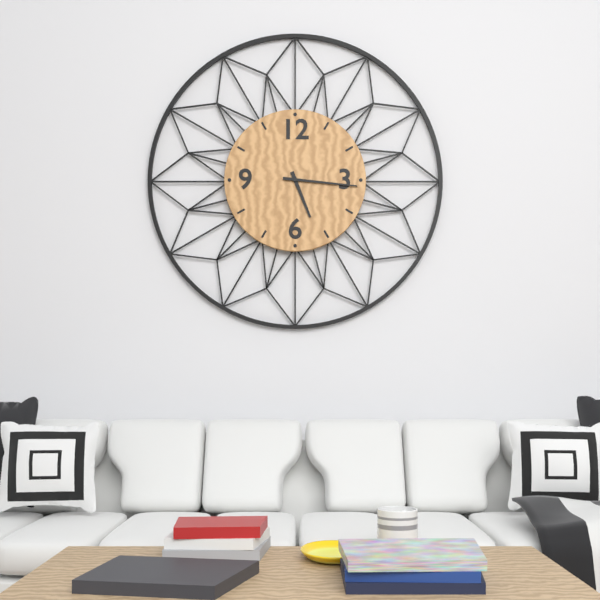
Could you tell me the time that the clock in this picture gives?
5:16
